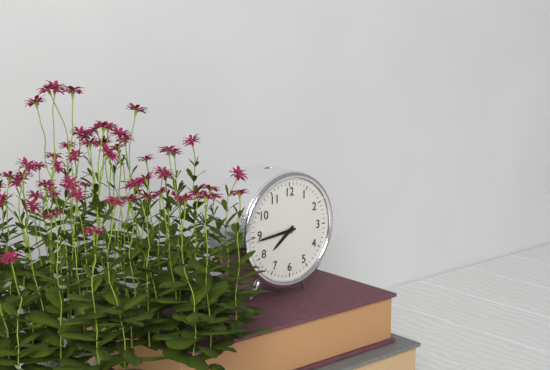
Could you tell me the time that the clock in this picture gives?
7:44
